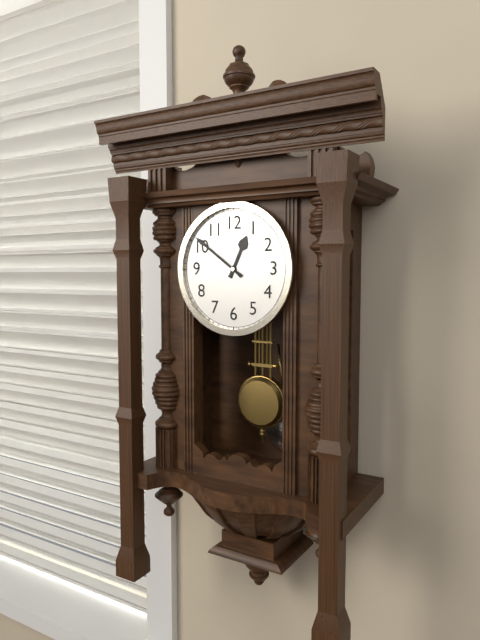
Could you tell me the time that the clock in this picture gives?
12:51
